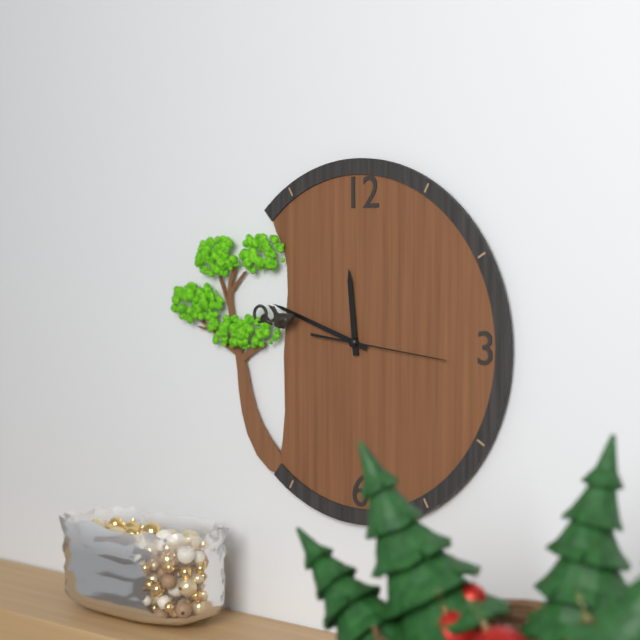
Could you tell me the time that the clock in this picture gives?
11:48:16
